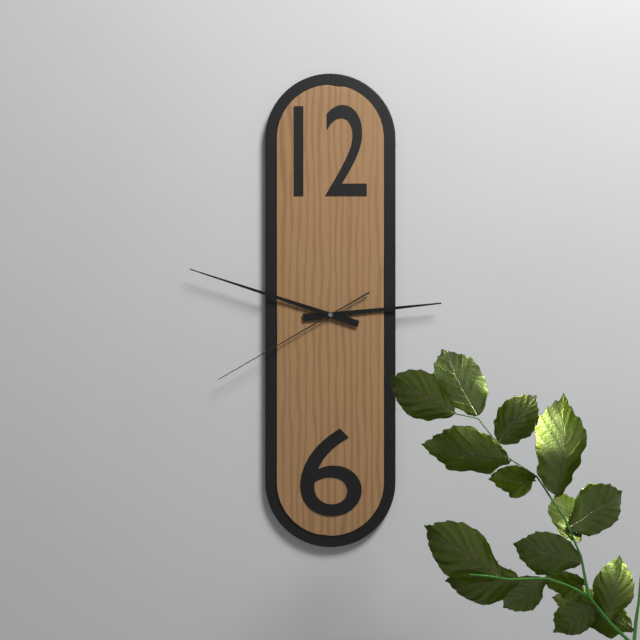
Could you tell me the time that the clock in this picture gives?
2:48:40
